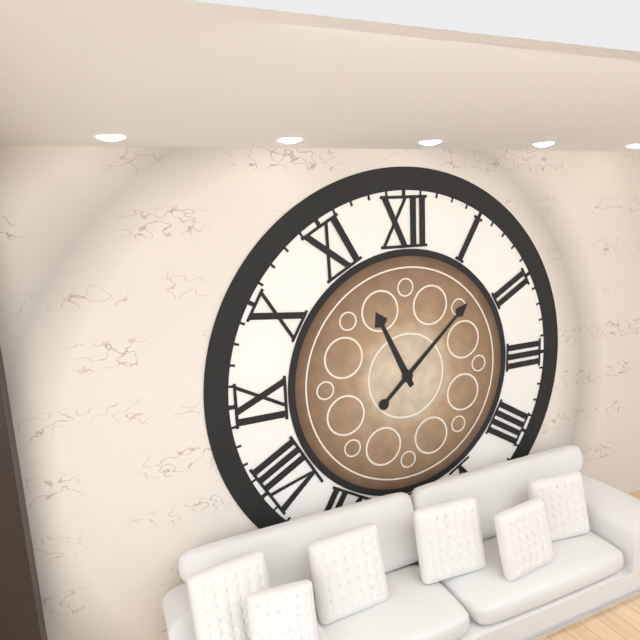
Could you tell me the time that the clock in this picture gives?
11:08
